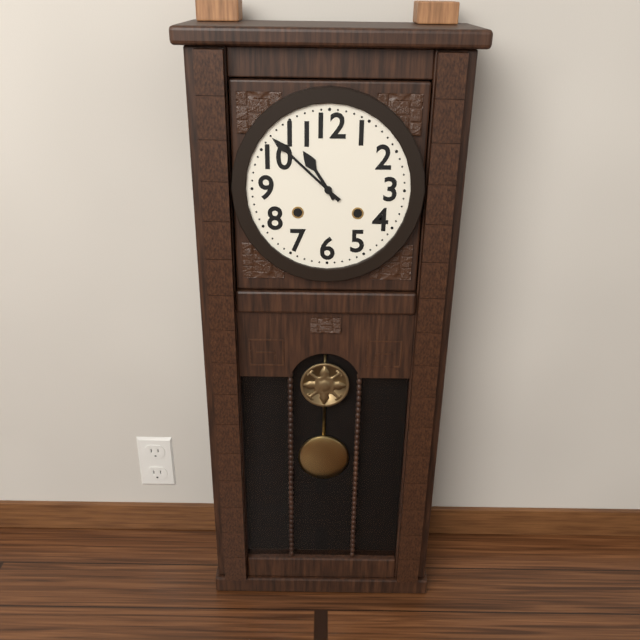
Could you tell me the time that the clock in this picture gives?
10:52
